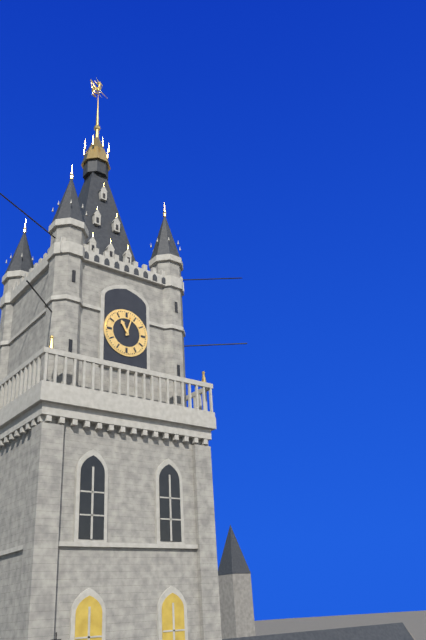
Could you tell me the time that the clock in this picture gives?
11:03
